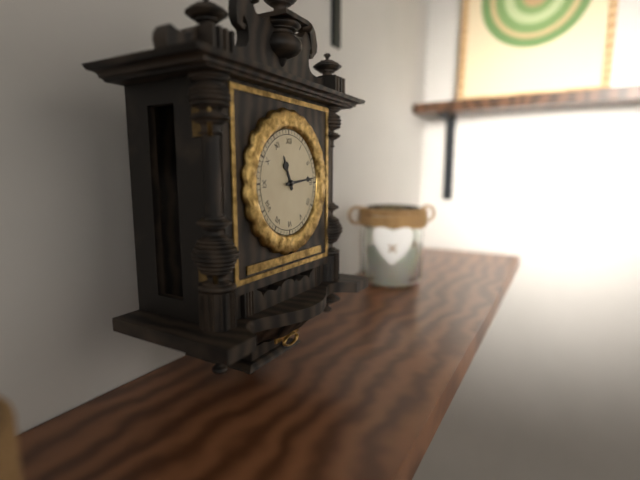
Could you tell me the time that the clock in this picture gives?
11:14
